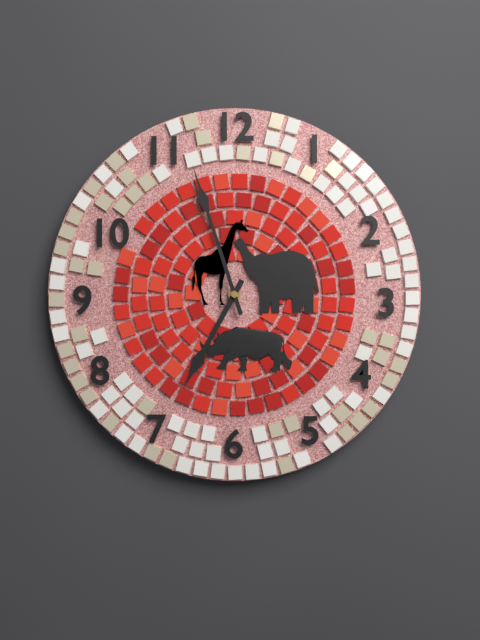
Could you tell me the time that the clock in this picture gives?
6:57
